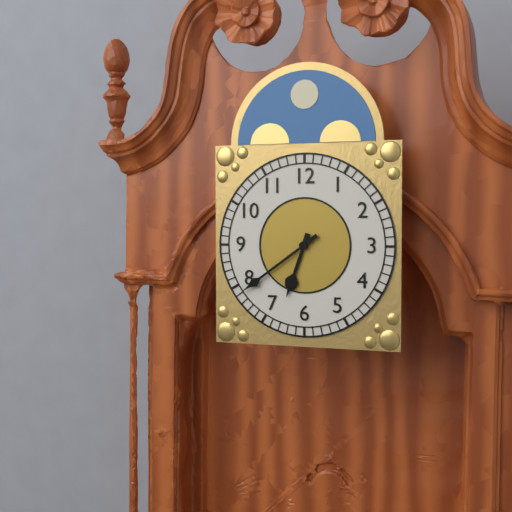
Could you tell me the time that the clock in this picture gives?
6:39
